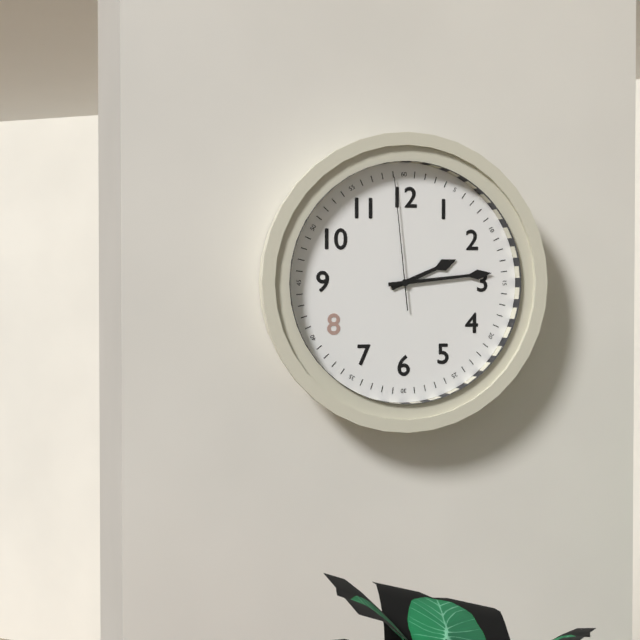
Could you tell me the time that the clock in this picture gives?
2:14:59
